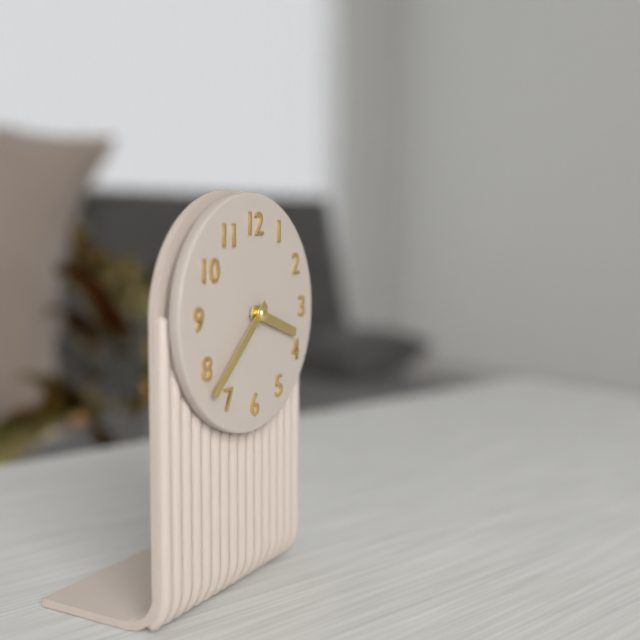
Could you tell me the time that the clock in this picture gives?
3:38
